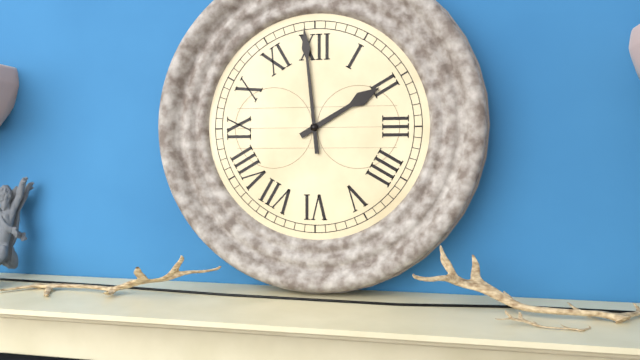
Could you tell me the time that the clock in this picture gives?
1:59
